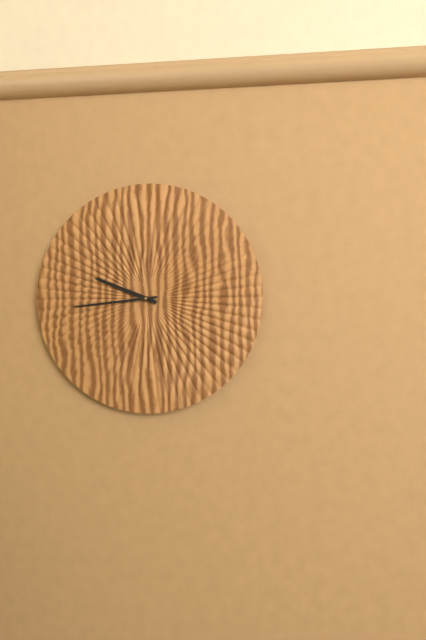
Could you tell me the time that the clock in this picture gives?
9:44
